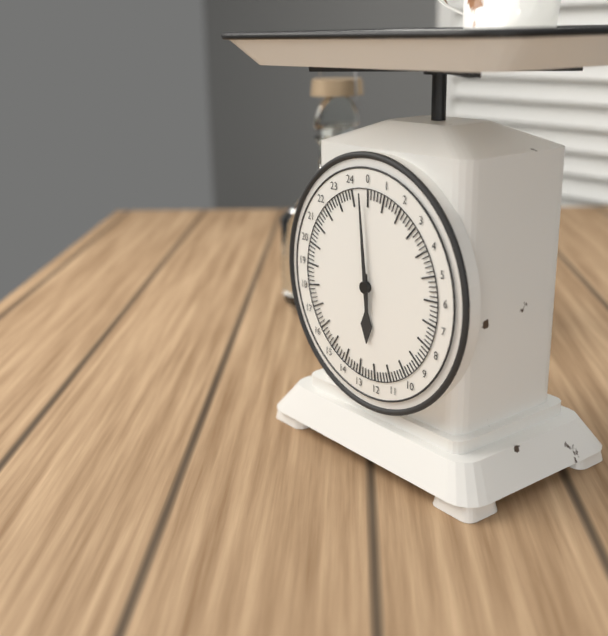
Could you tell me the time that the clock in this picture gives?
5:59
